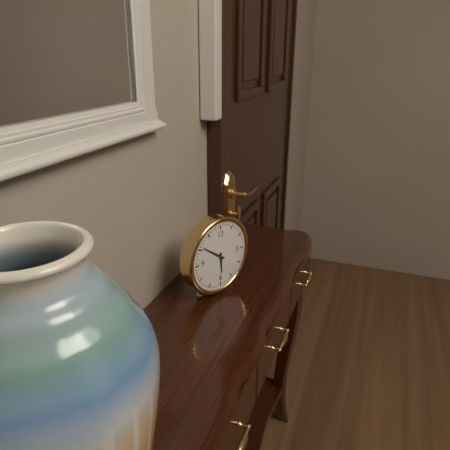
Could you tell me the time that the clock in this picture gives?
5:51
